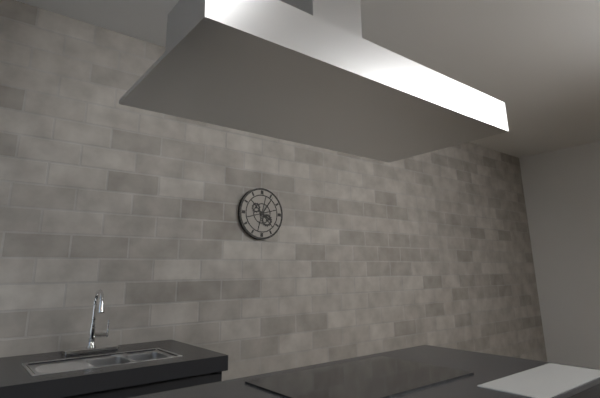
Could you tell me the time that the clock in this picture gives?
4:06
